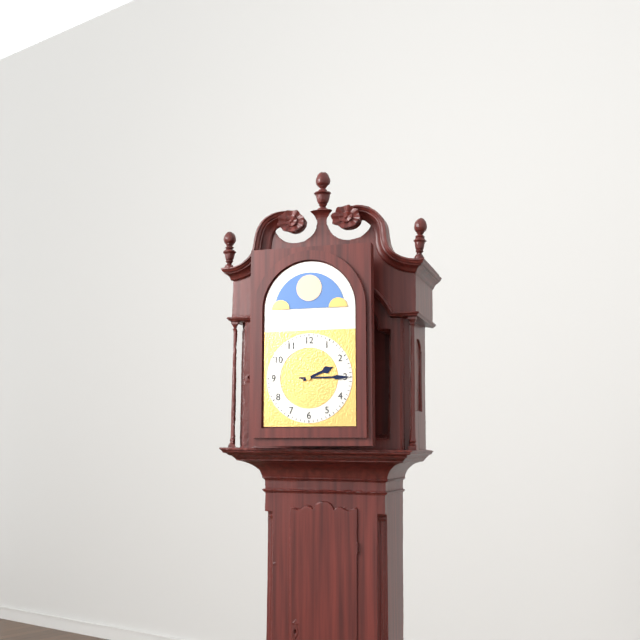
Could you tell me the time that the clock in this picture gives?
2:15
